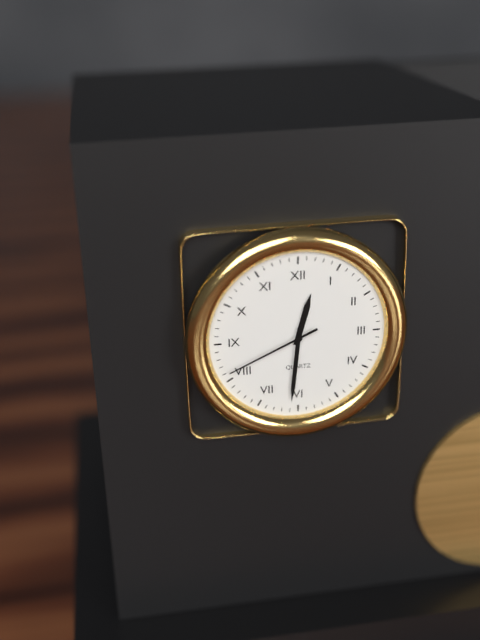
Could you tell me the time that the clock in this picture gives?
12:31:41
